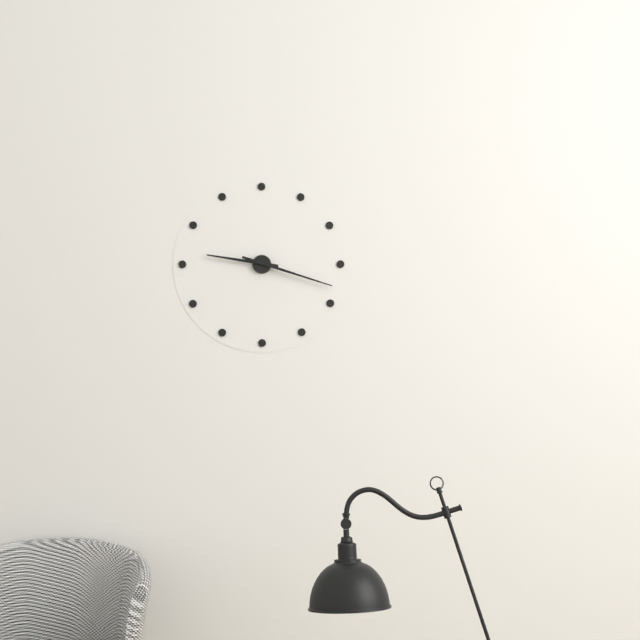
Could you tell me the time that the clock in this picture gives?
9:18
